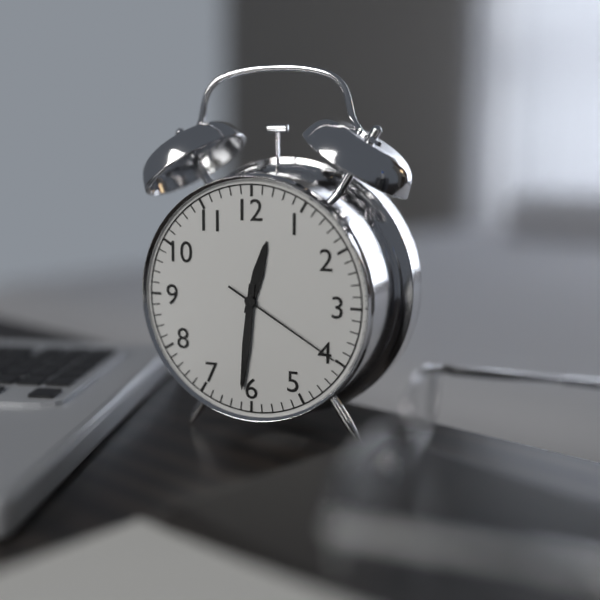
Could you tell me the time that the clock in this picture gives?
12:31:20
